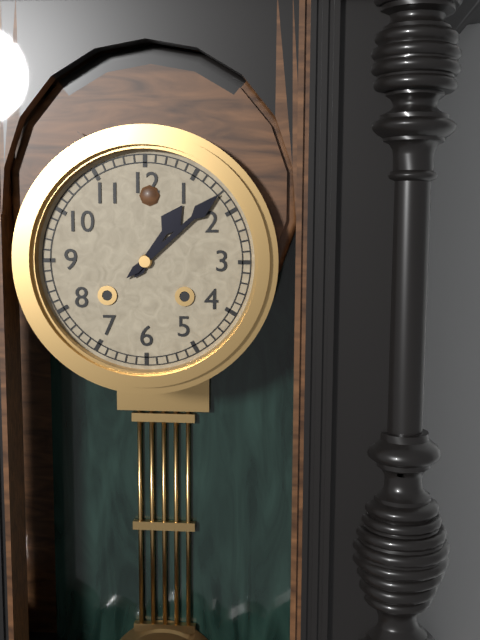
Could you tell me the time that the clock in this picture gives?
1:08
